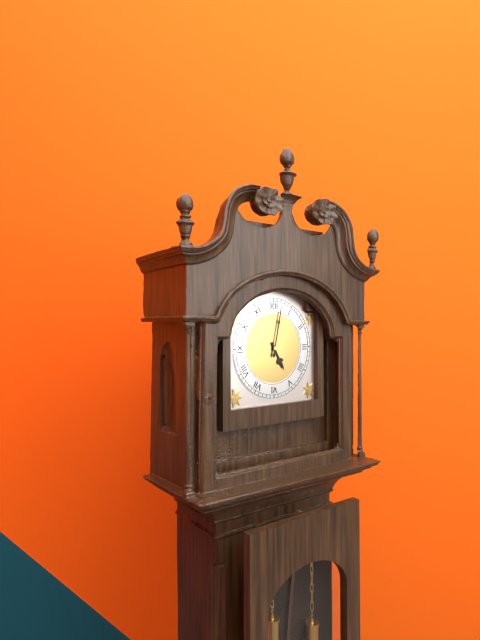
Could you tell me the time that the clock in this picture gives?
5:02
